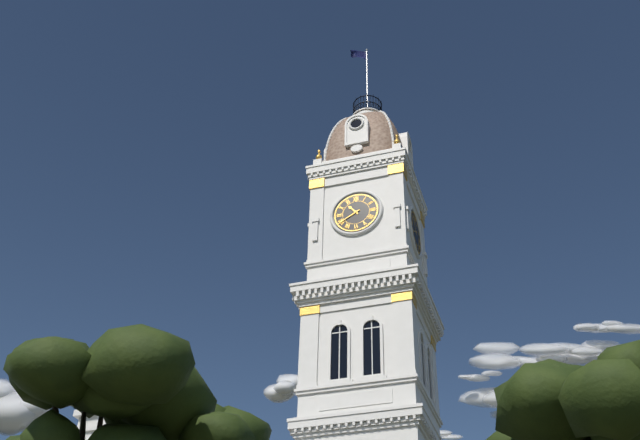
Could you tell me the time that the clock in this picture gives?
10:40
